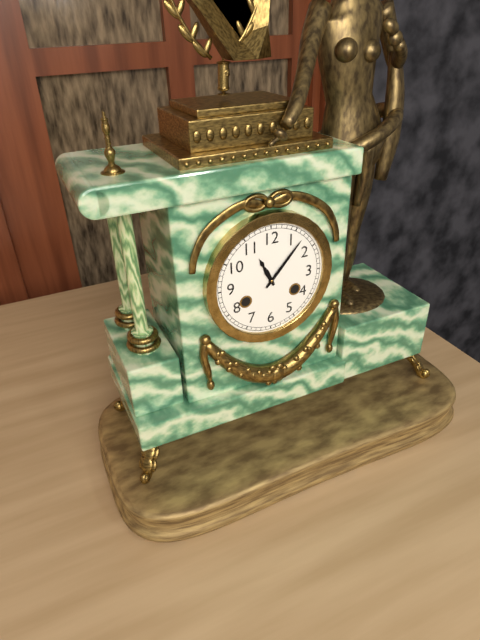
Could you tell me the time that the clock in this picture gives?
11:07
